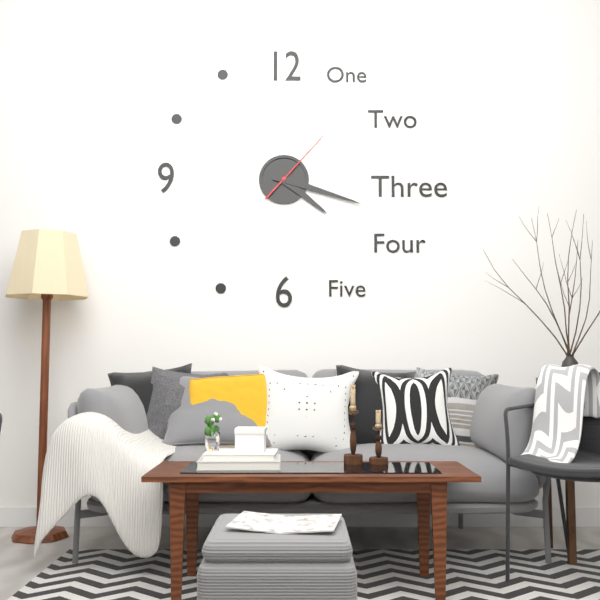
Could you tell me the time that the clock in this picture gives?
4:18:07
